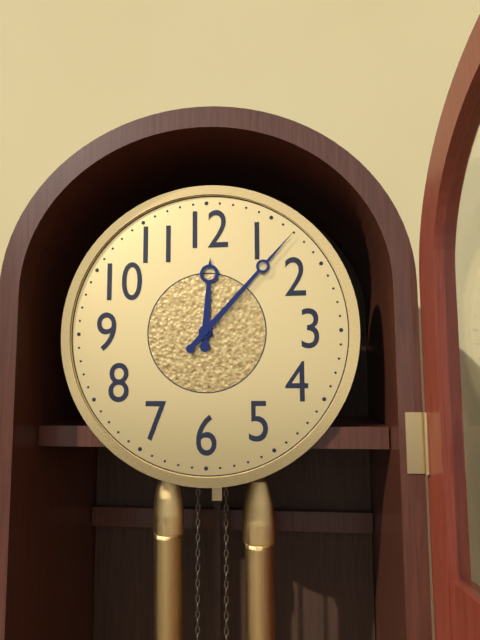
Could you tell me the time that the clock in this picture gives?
12:07
